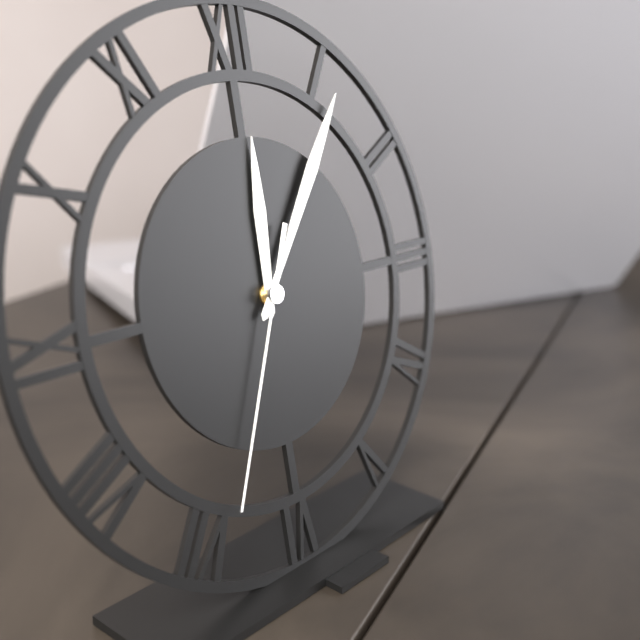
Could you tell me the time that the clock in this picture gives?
12:06:34
